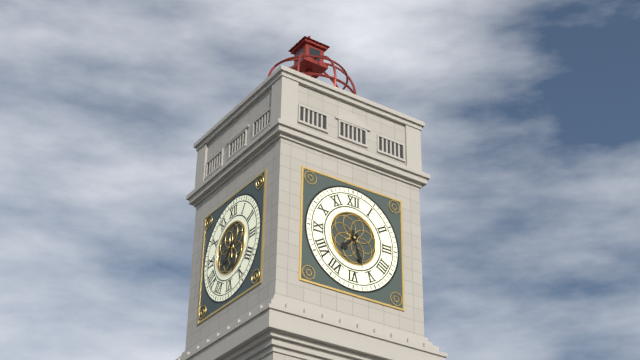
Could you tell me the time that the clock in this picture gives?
7:27
